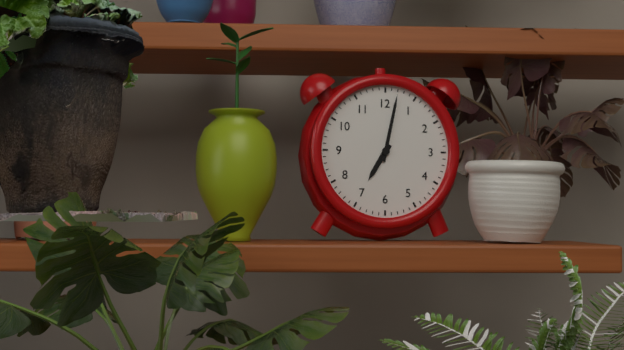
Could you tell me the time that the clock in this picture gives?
7:02
